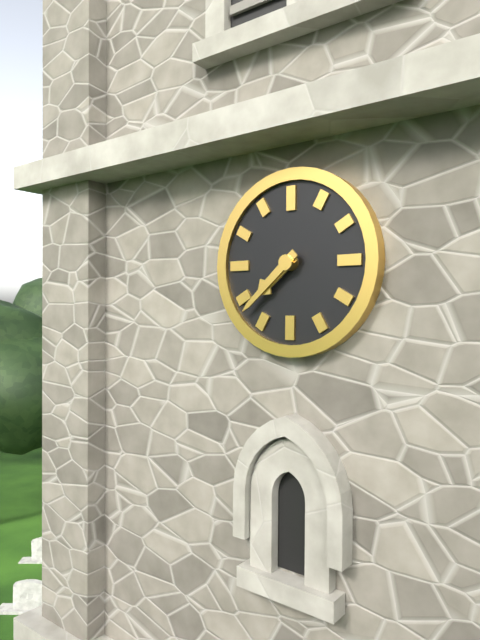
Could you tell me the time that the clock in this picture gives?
7:38
